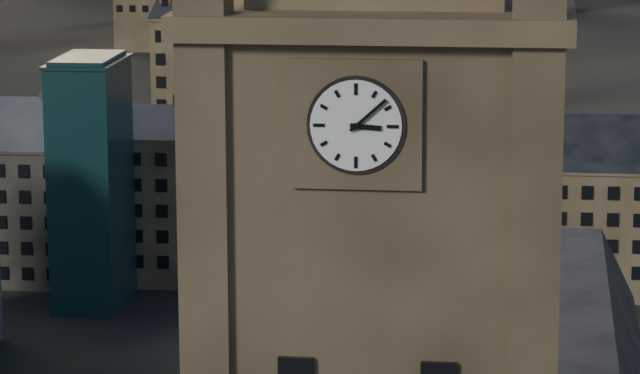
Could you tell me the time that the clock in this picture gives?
3:08
